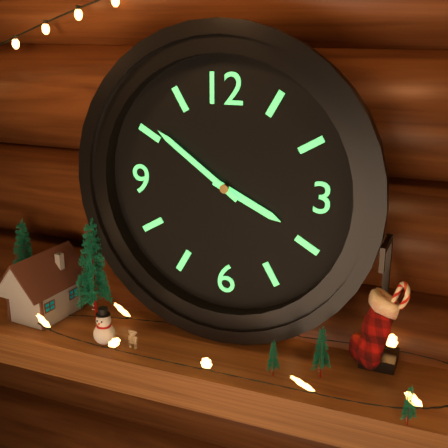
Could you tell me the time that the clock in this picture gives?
3:51
